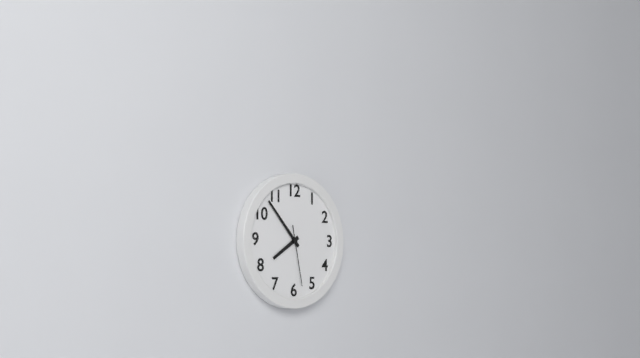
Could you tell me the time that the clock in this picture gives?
7:53:28
